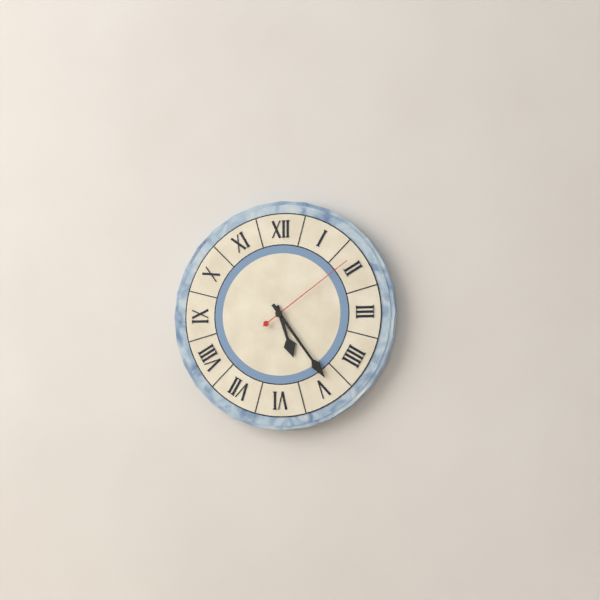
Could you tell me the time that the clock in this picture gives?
5:24:09
